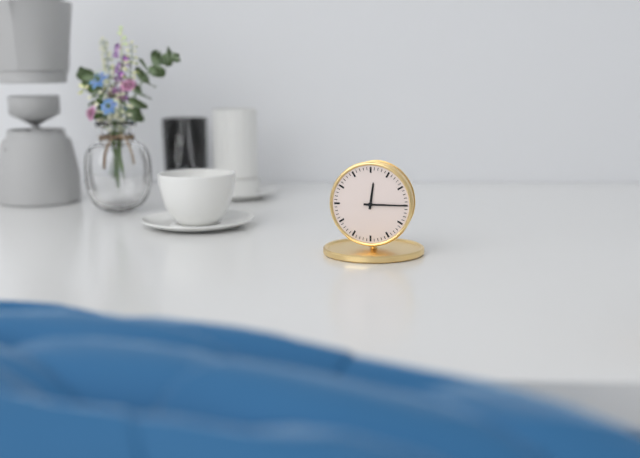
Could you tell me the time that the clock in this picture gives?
12:15
